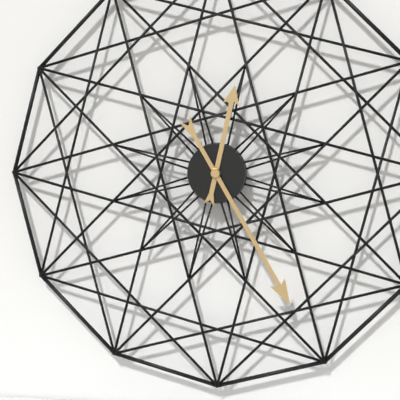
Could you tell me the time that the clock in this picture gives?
12:25
